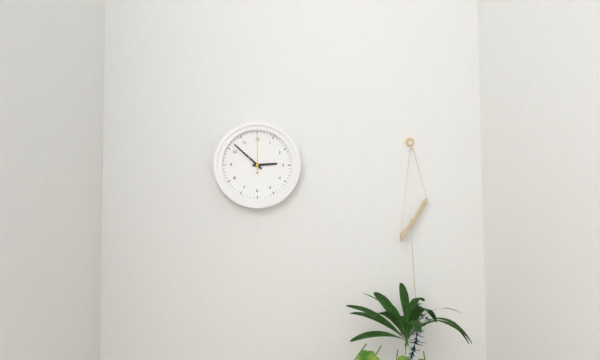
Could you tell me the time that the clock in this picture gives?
2:52
